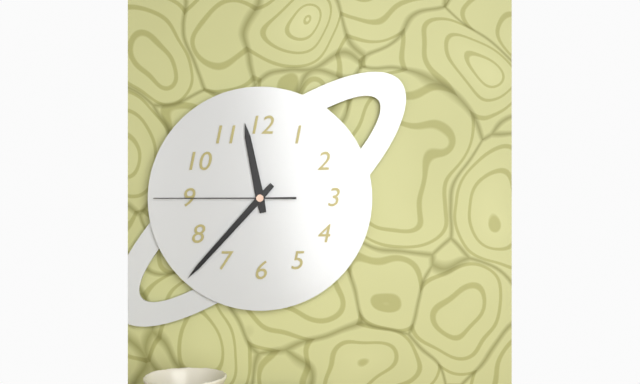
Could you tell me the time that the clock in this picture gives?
11:37:45
